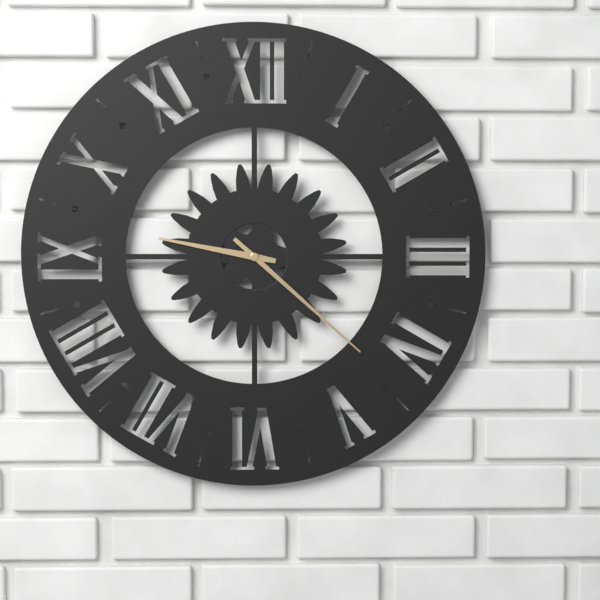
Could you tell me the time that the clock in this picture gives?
9:22
